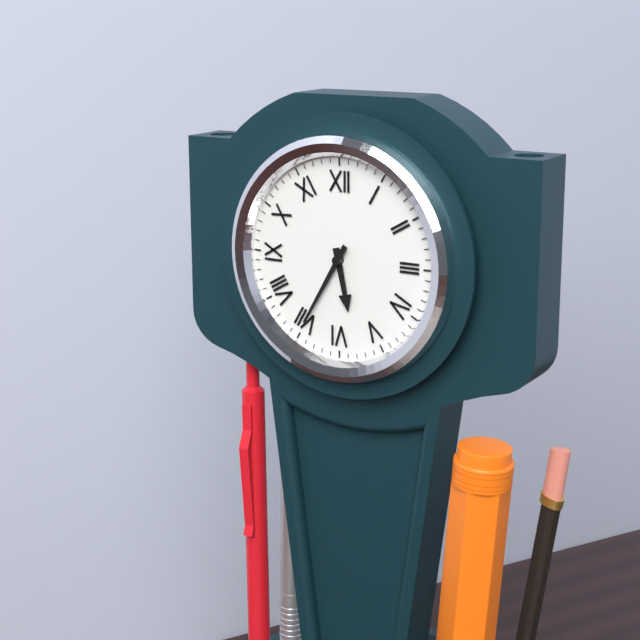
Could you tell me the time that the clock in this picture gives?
5:35
